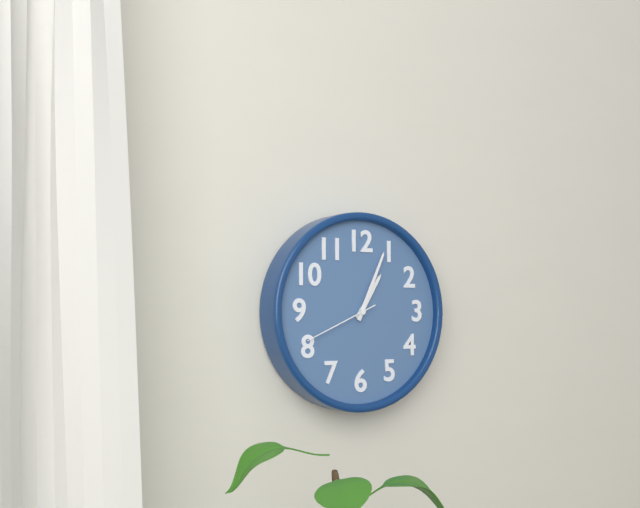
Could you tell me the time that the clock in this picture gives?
1:04:41
